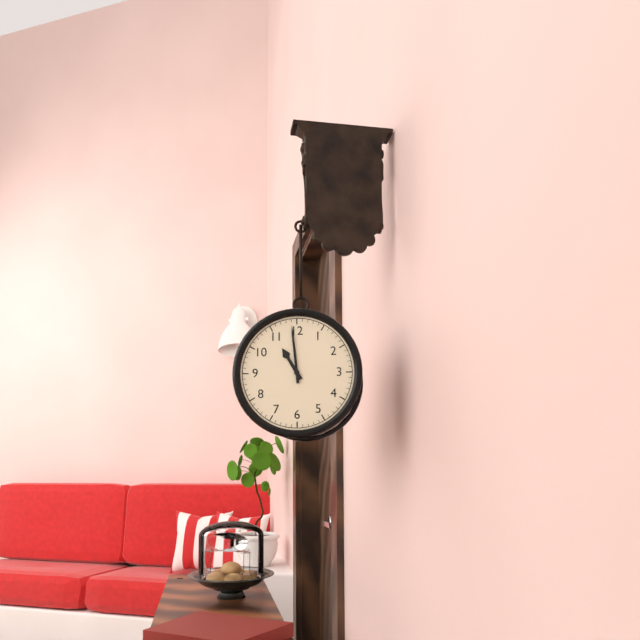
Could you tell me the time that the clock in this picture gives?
10:59
